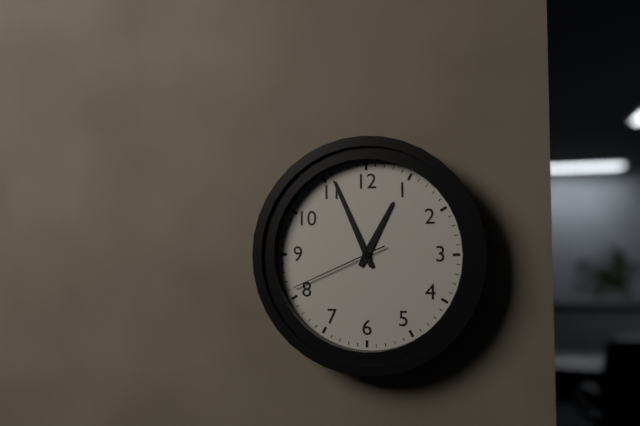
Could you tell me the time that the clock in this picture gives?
12:56:41
